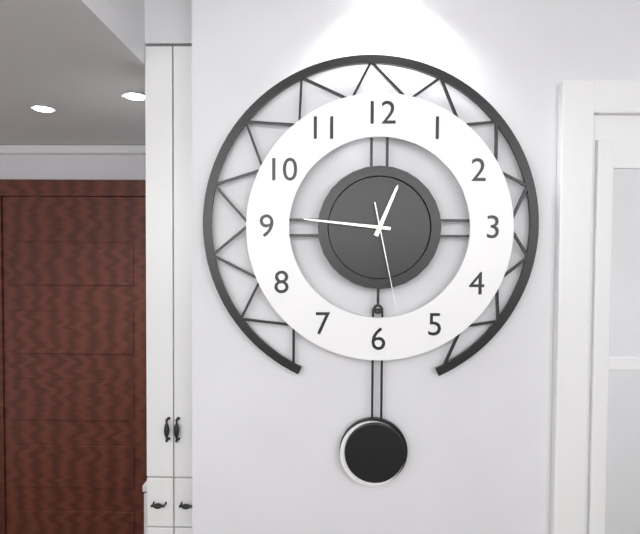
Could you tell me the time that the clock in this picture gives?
12:46:28
